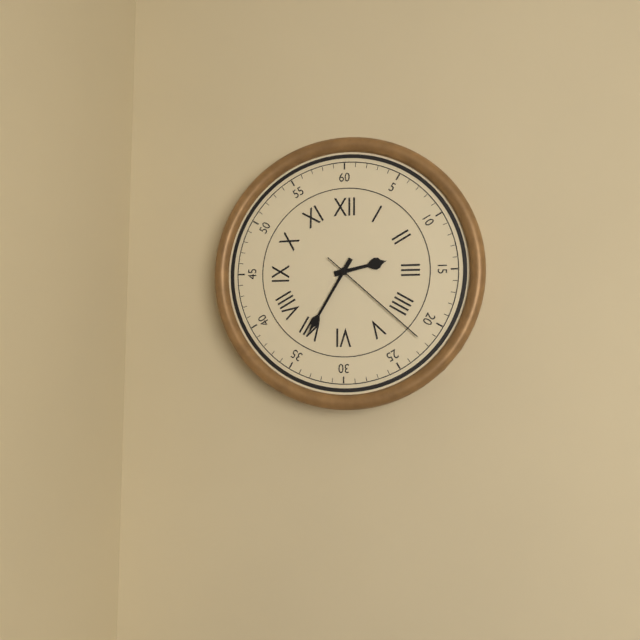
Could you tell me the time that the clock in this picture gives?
2:35:22
